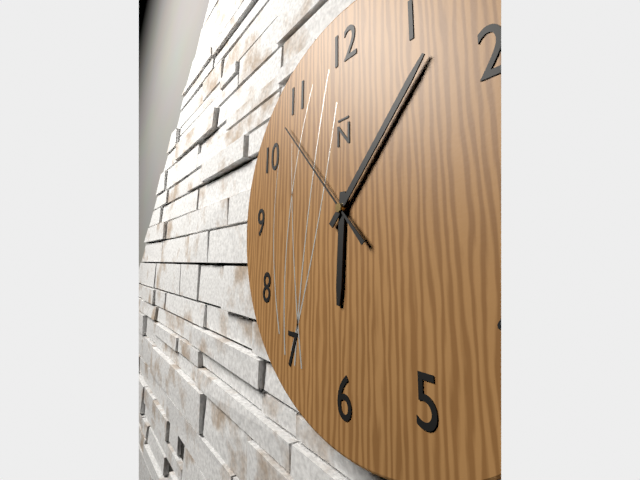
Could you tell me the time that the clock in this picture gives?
6:07:53
